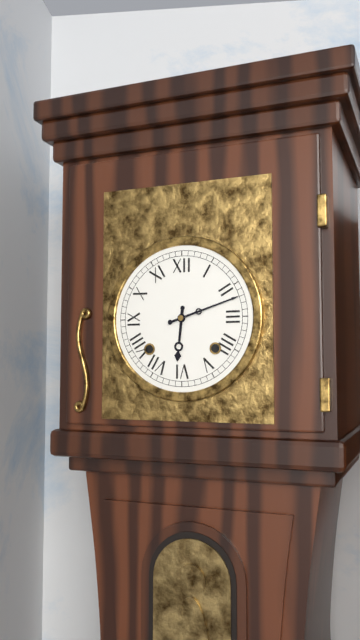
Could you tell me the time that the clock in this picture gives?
6:12
